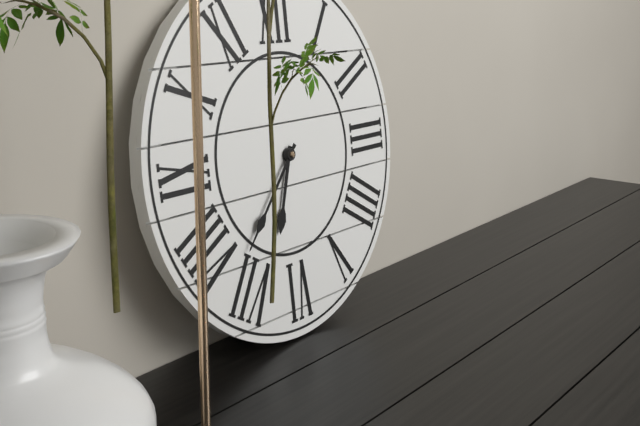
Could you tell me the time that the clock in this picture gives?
6:37
